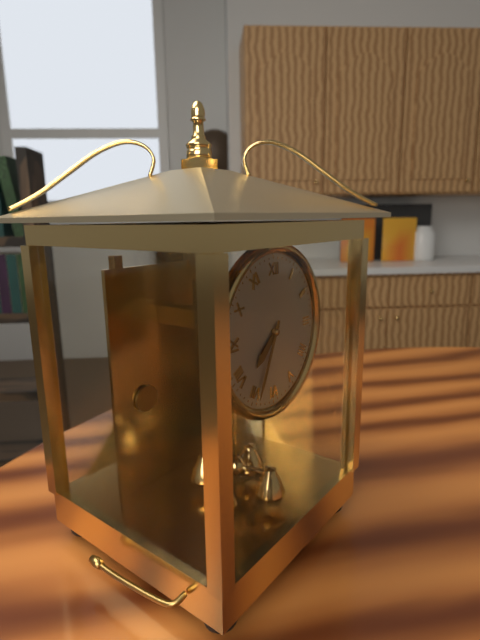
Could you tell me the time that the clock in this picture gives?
7:34
